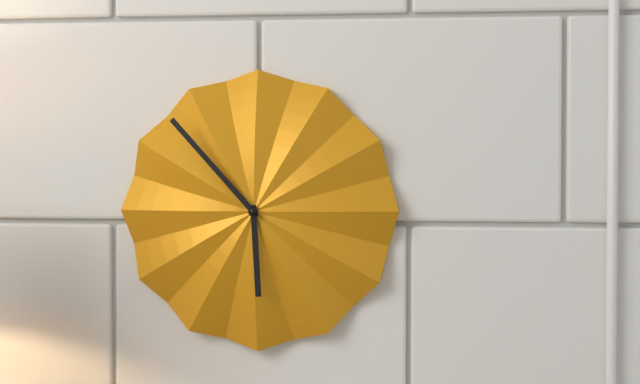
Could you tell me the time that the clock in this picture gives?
5:53
